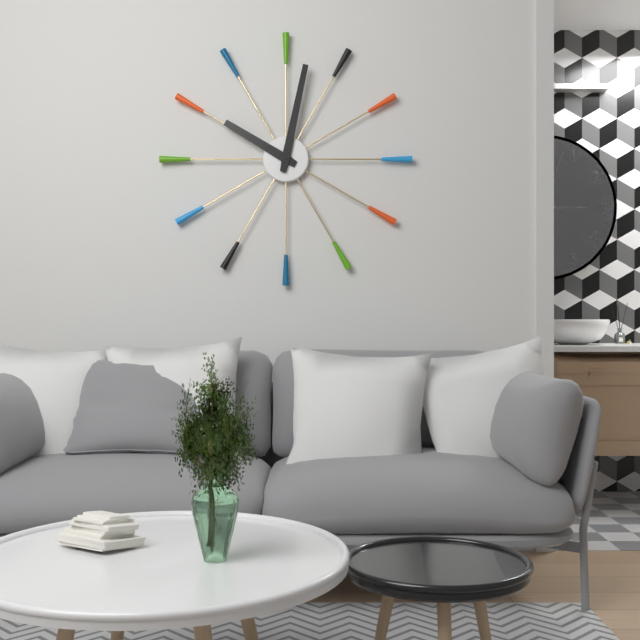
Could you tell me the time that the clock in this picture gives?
10:02
